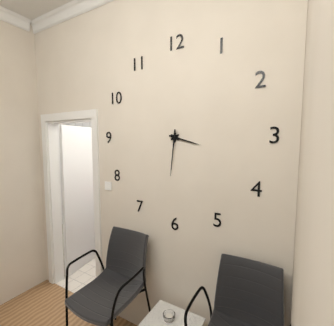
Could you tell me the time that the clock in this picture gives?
3:31
